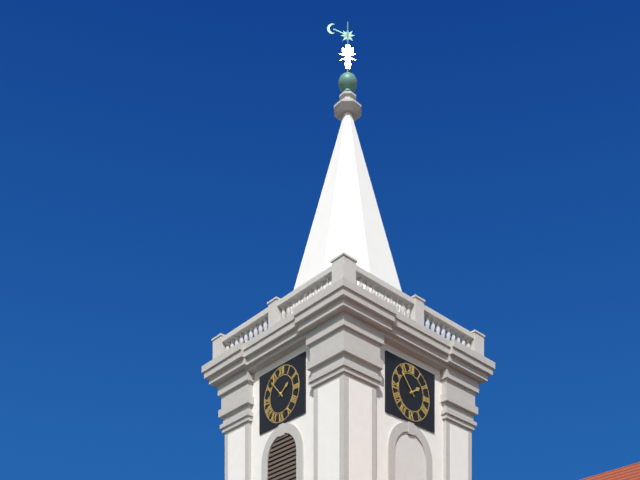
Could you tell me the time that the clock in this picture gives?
1:53
